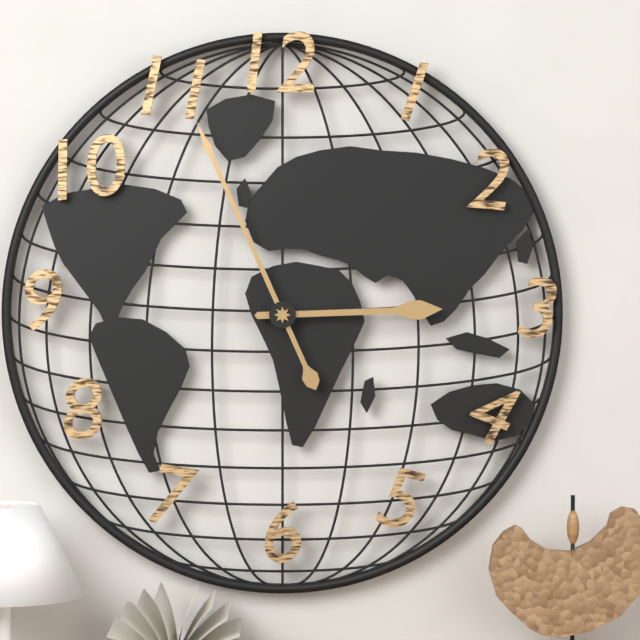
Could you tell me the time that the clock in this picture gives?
2:56
